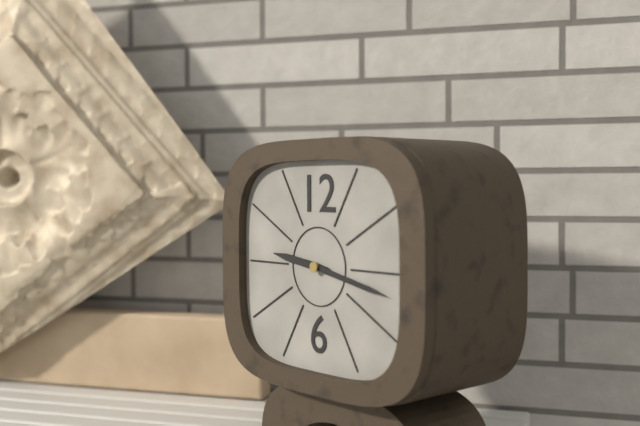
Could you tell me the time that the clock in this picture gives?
9:17
